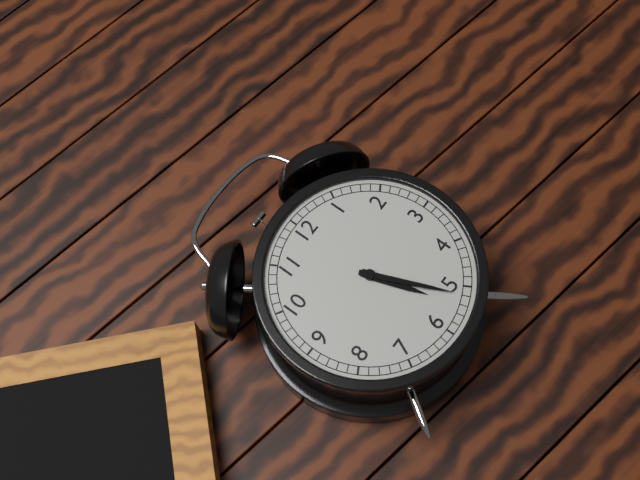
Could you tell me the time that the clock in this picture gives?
5:26
